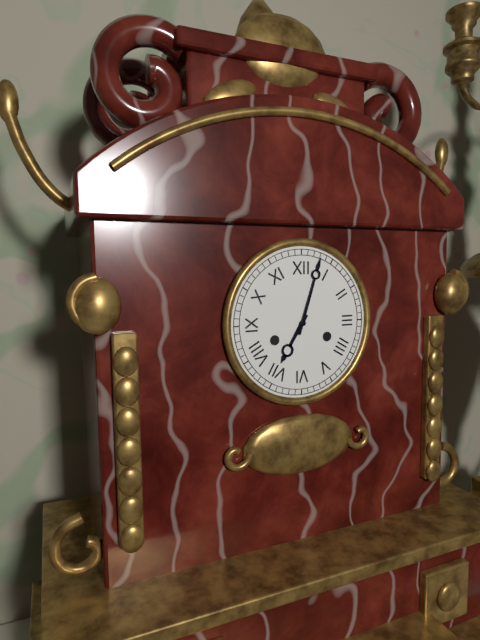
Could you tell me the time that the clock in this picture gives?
7:03
